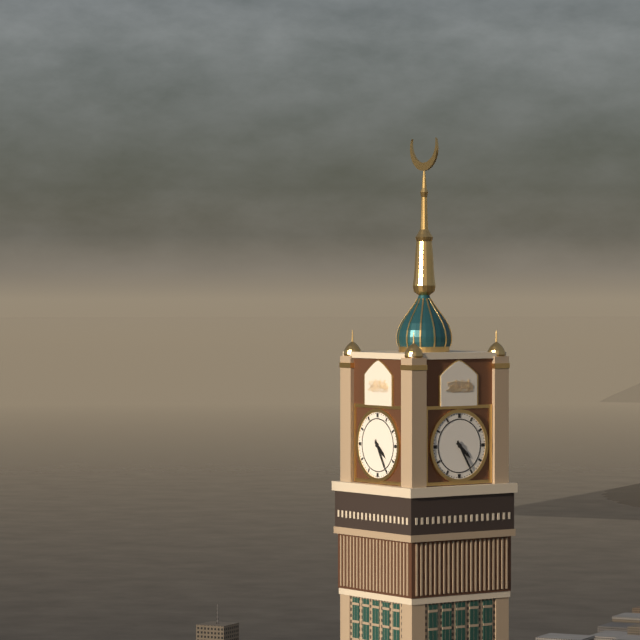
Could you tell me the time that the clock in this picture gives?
4:25
